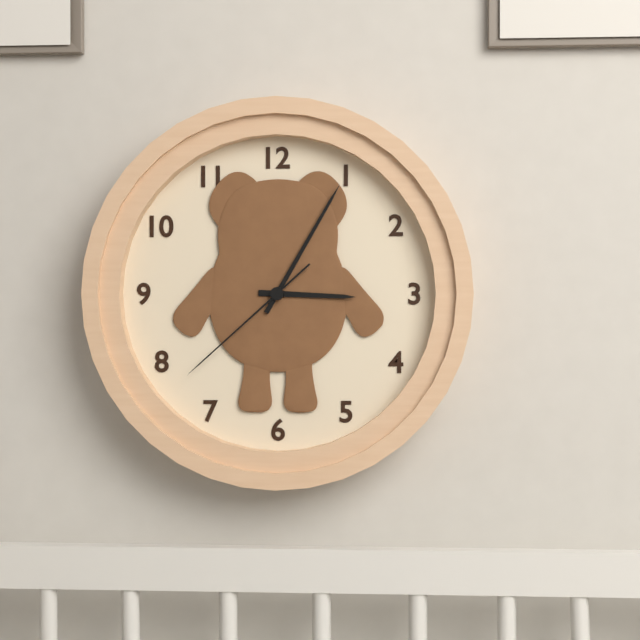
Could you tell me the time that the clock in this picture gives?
3:05:38
